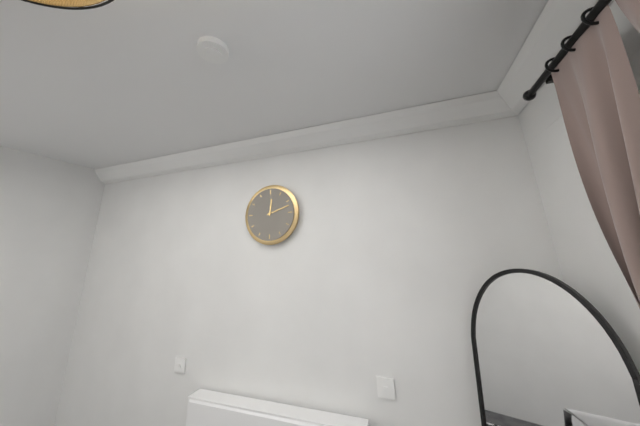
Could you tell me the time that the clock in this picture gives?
12:12
